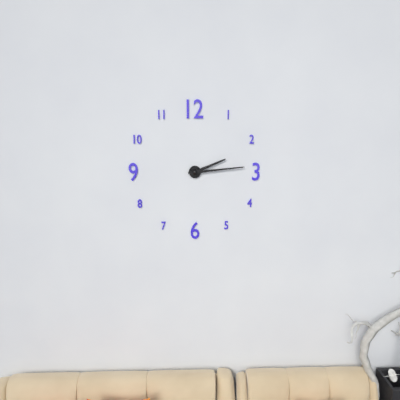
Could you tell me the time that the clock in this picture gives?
2:14
